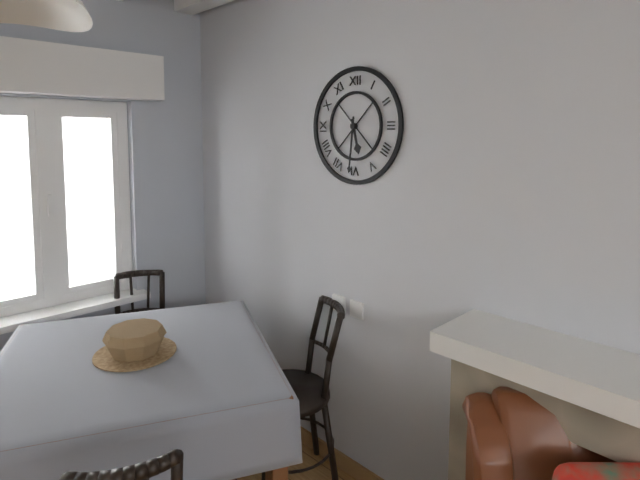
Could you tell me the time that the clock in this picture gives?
5:31
